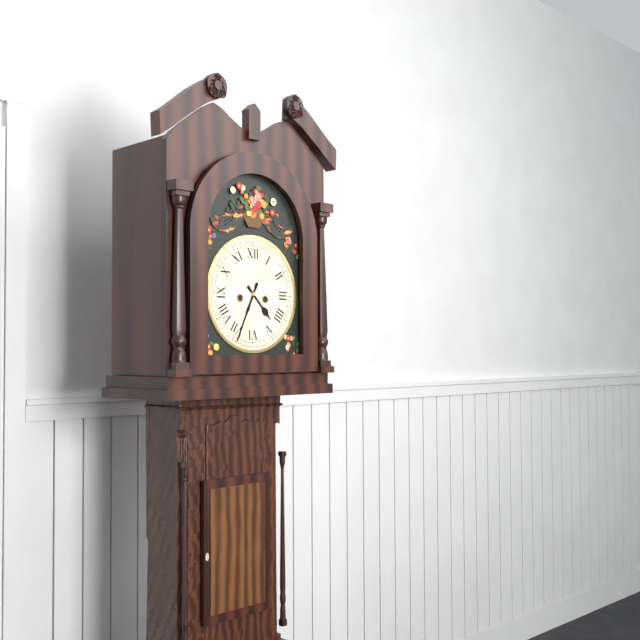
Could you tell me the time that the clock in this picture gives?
4:34
